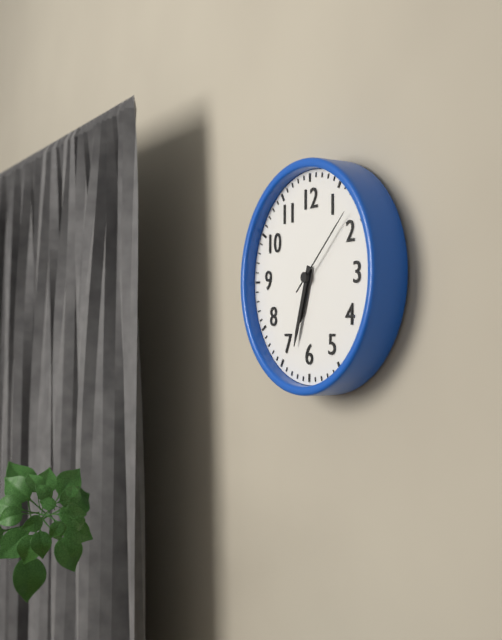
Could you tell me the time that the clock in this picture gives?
6:33:08
